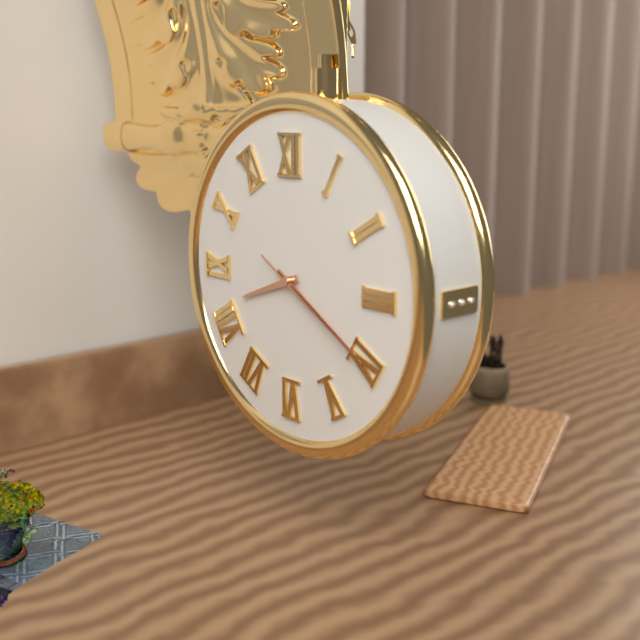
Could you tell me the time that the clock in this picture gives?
8:20:20
